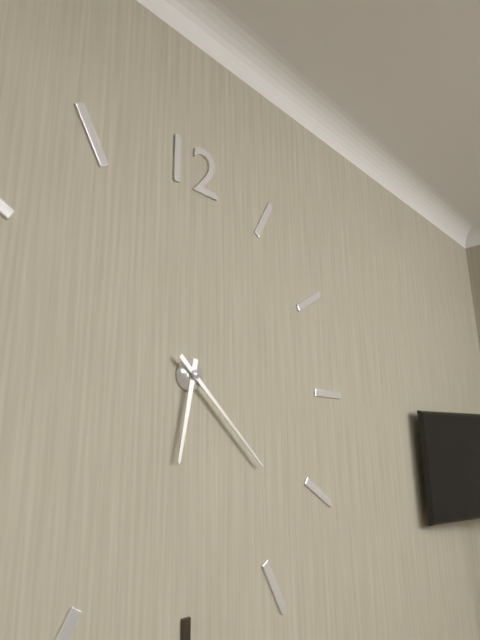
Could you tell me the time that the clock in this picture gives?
6:22
